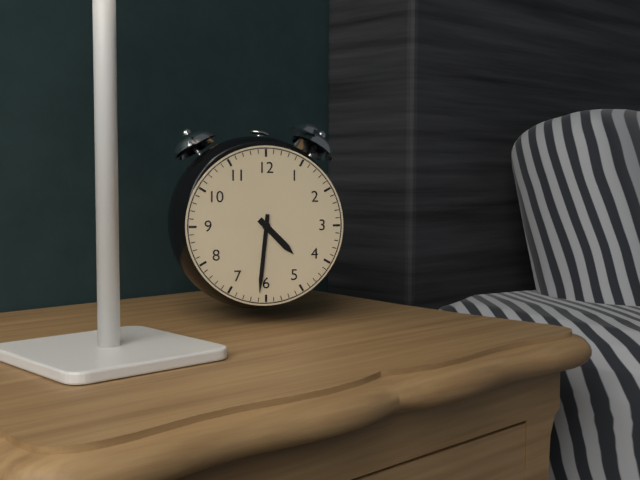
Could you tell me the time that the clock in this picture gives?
4:31
